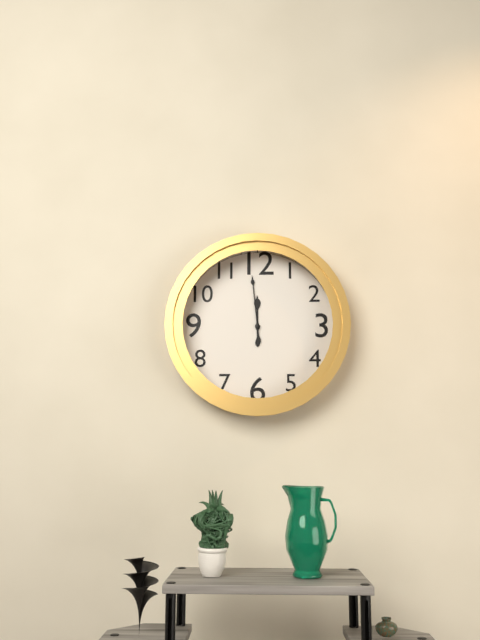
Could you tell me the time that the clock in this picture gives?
11:59
